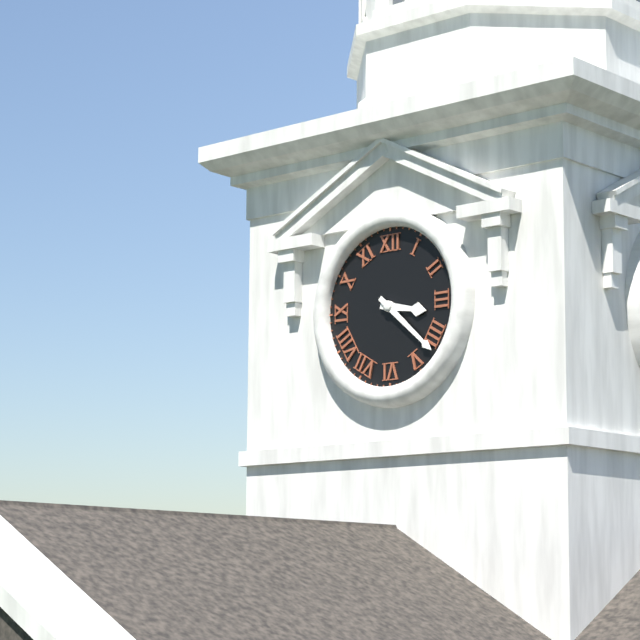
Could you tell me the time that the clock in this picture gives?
3:22
